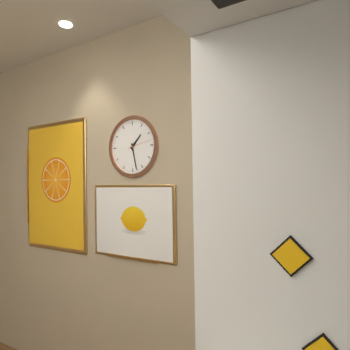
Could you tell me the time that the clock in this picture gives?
1:28
